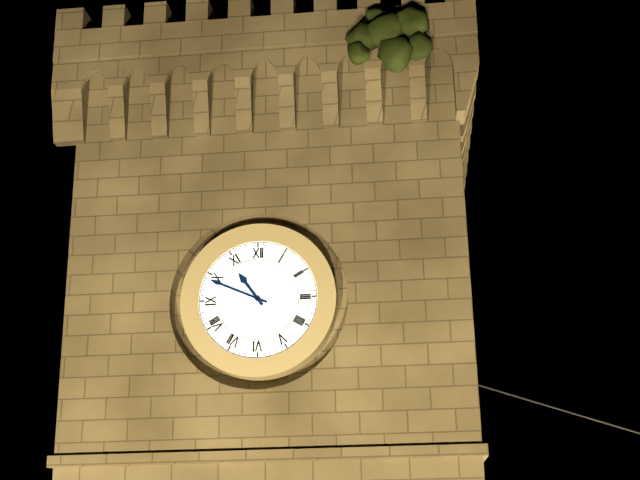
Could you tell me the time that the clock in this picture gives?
10:49
